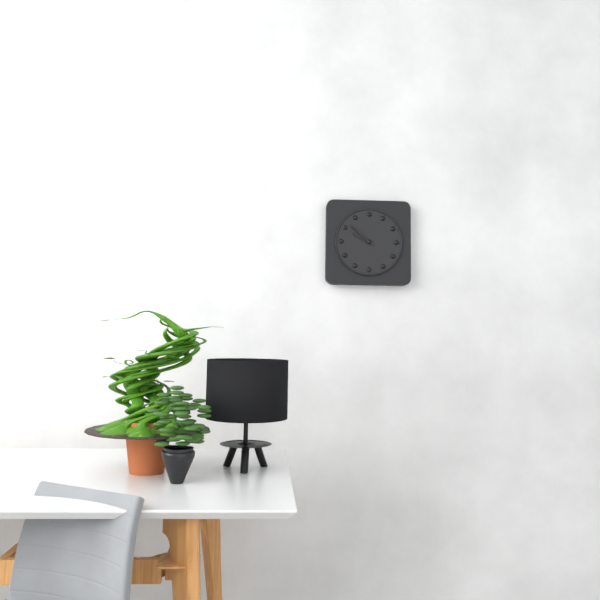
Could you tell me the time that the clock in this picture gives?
9:52
